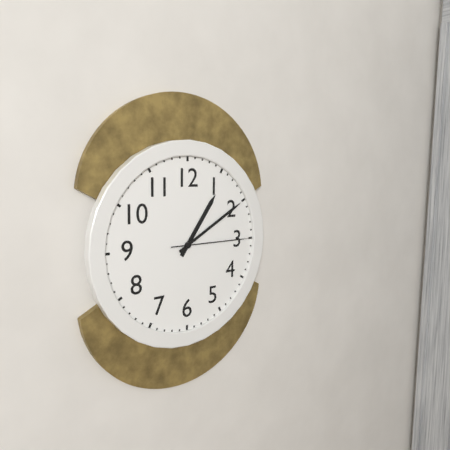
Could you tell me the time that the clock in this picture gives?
1:10:15
